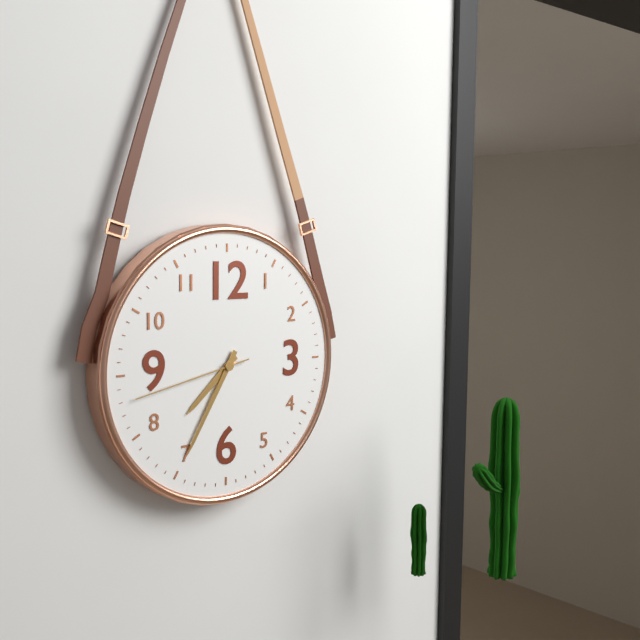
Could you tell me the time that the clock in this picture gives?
7:35:43
